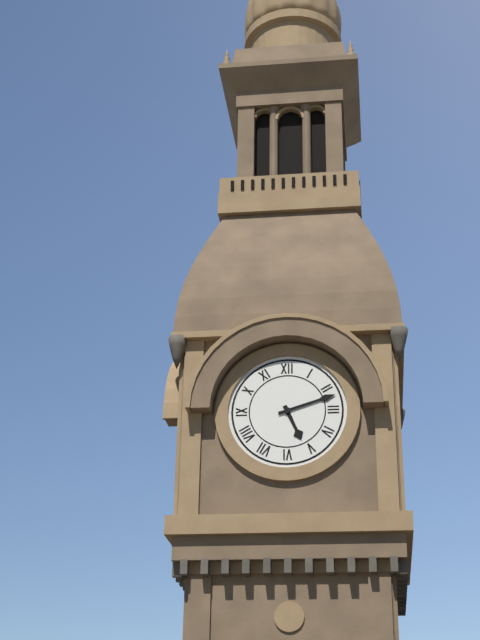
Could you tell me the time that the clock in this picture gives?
5:12
